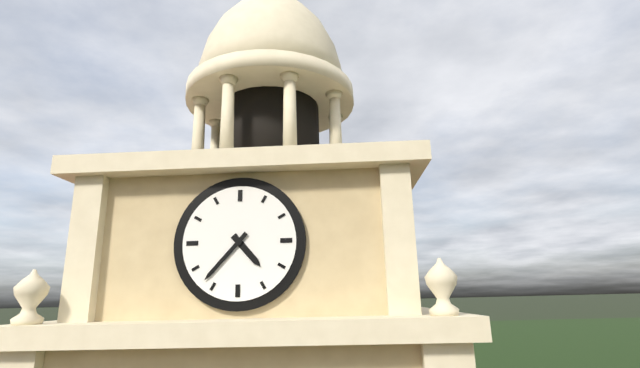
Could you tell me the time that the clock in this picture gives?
4:37
